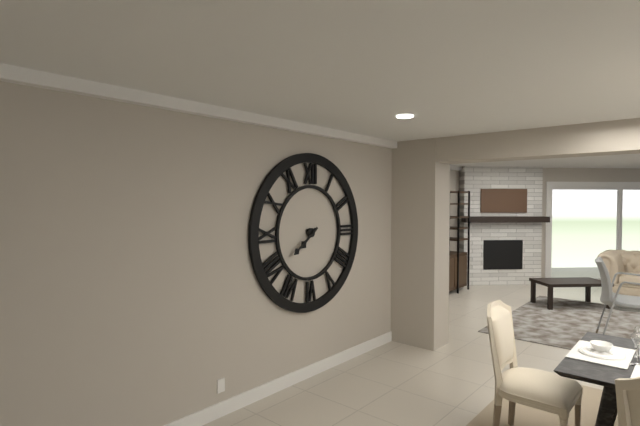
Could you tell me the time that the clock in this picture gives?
7:39
